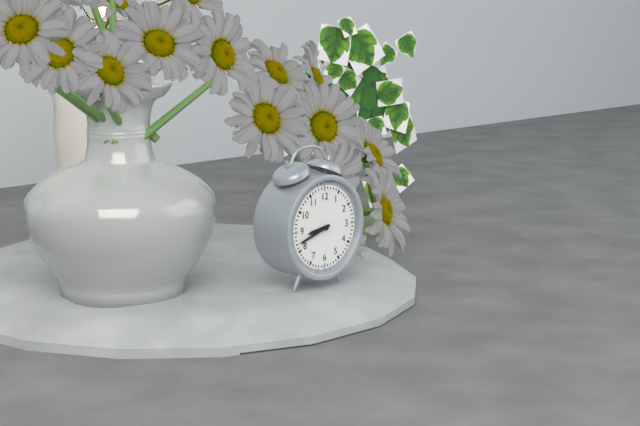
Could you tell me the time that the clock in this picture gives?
8:42
